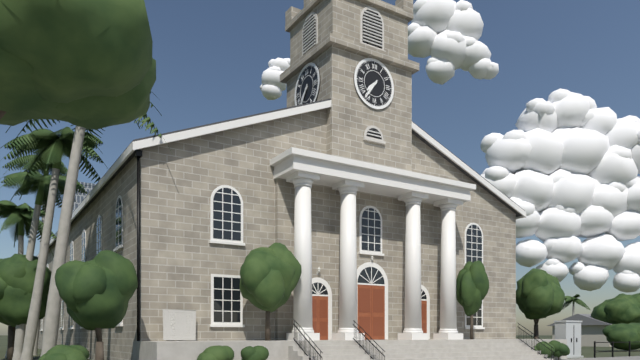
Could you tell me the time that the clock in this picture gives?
7:36
